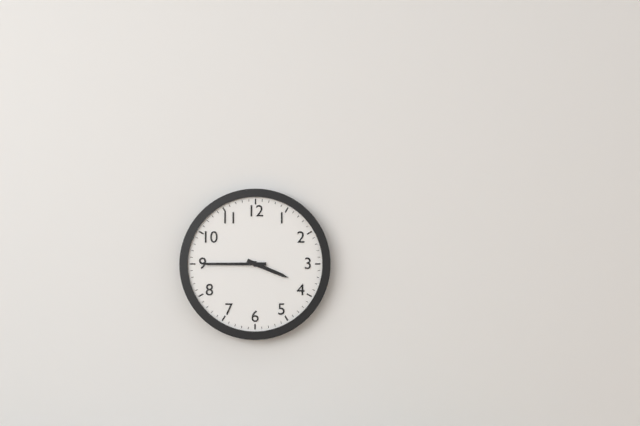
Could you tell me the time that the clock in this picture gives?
3:45
